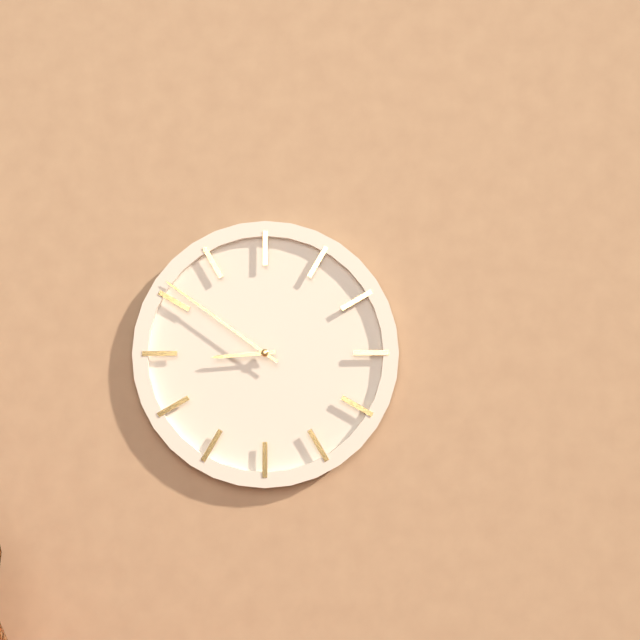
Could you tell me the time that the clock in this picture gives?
8:51
